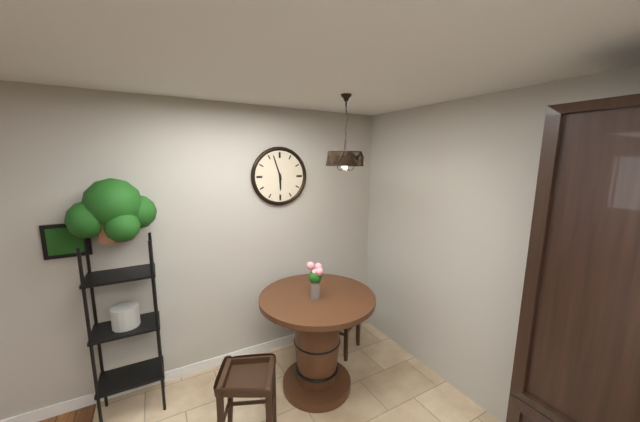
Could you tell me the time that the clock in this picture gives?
5:57
